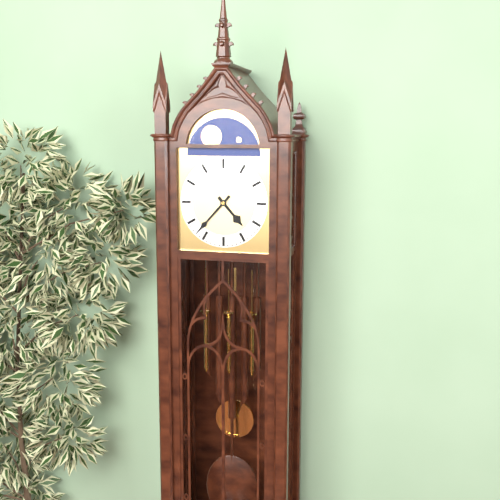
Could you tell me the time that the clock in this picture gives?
4:37
